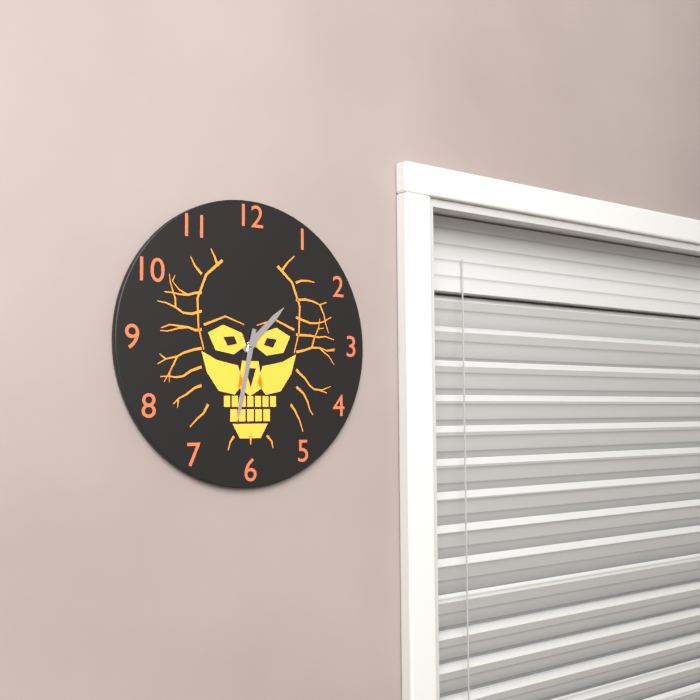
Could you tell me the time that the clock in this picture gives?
1:32
